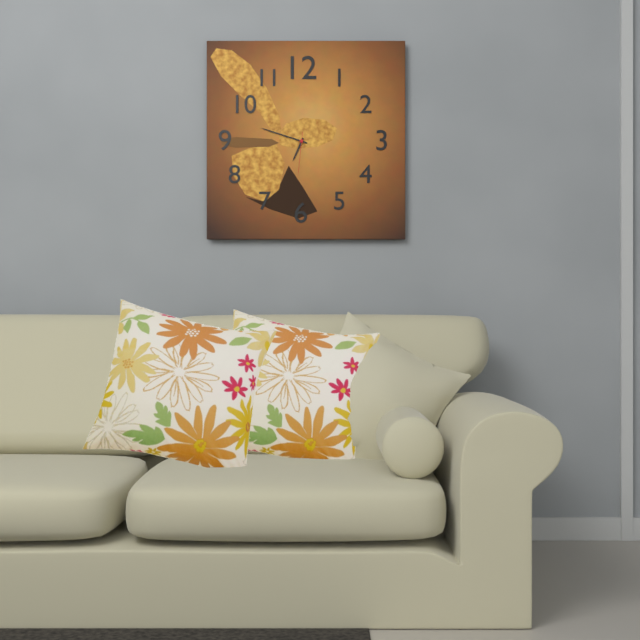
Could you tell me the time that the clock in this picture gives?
6:48
